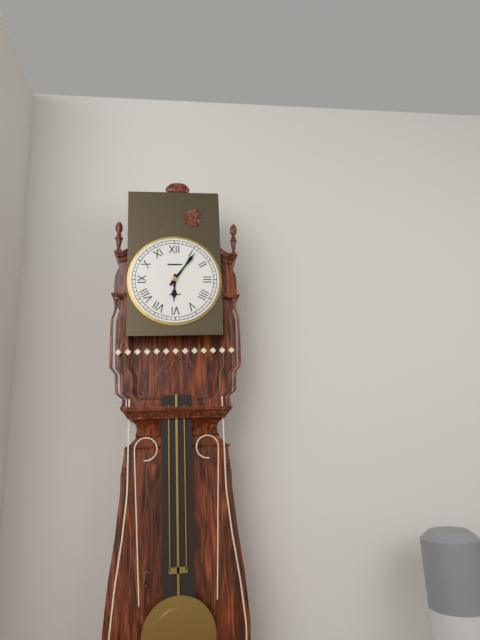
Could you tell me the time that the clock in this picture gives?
6:06
